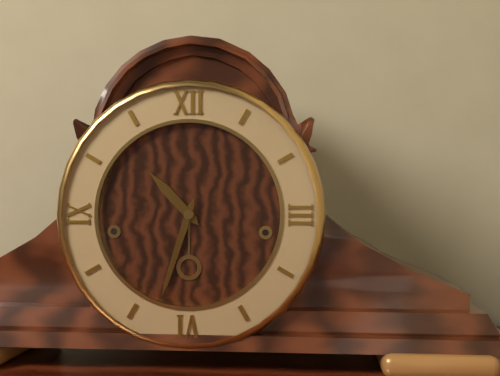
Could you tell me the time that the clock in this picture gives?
10:33
